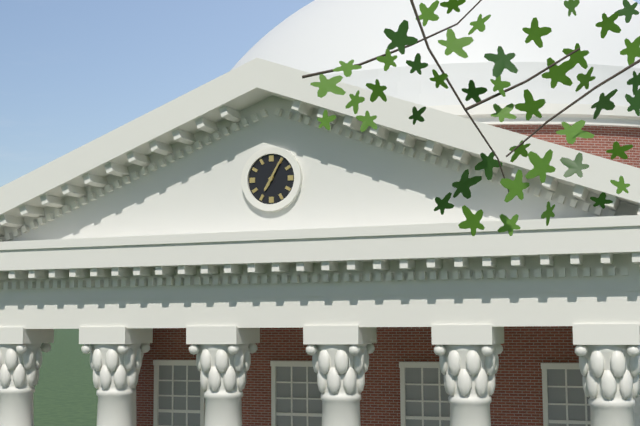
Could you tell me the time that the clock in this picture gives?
7:05
